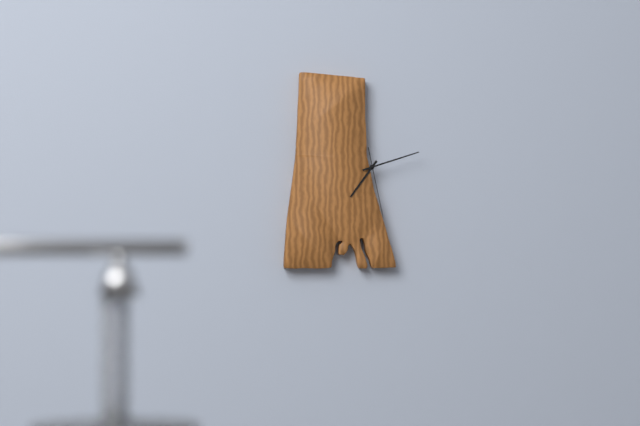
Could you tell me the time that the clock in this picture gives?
7:12:28
